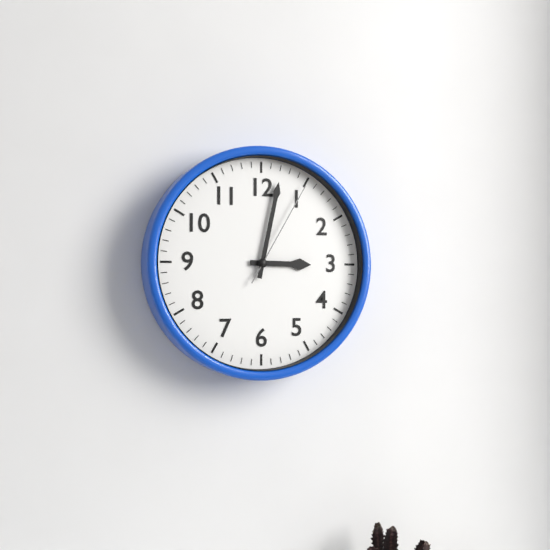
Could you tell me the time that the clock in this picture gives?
3:02:05
